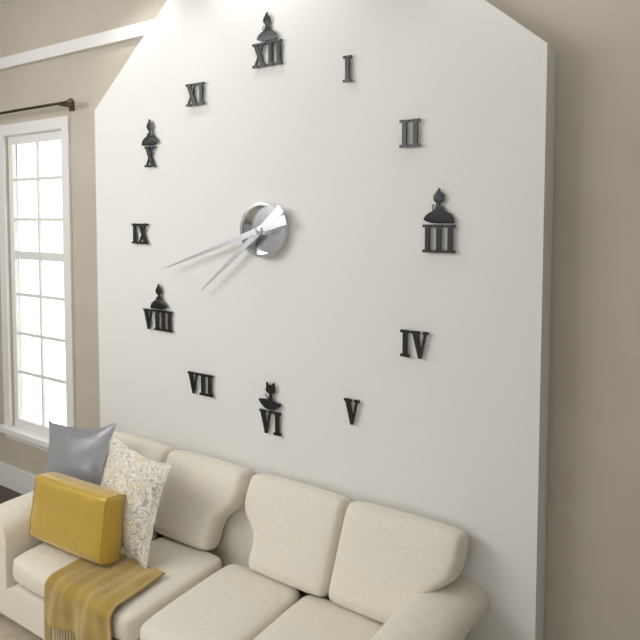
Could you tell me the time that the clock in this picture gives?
7:42
